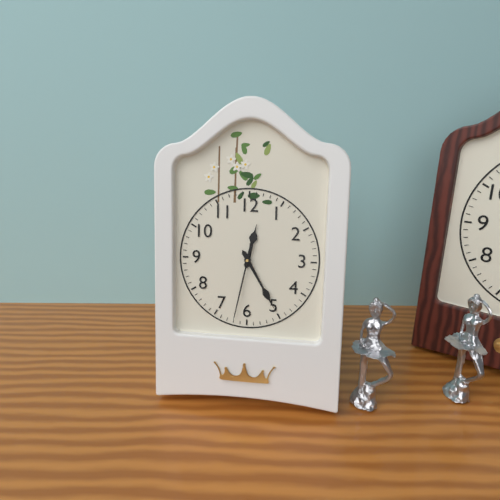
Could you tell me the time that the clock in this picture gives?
12:25:32
